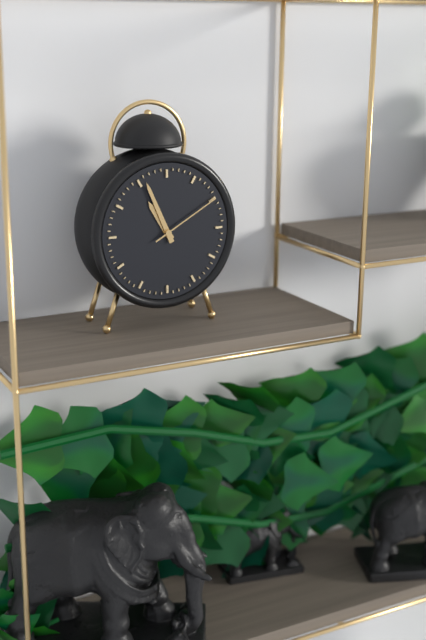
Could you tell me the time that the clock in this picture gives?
10:56:10
